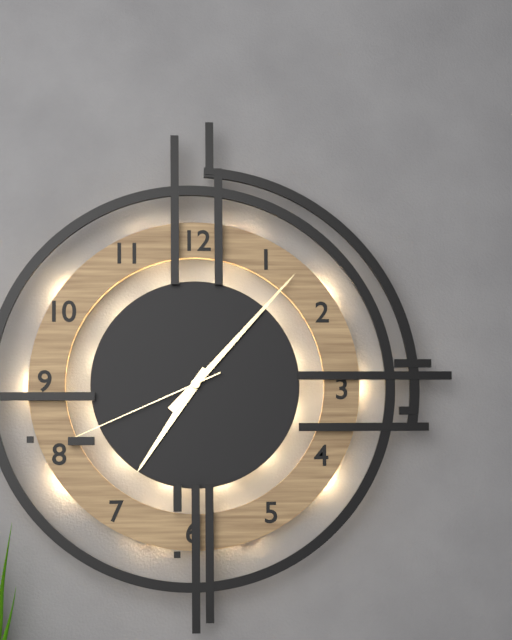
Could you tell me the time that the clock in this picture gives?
7:07:41
